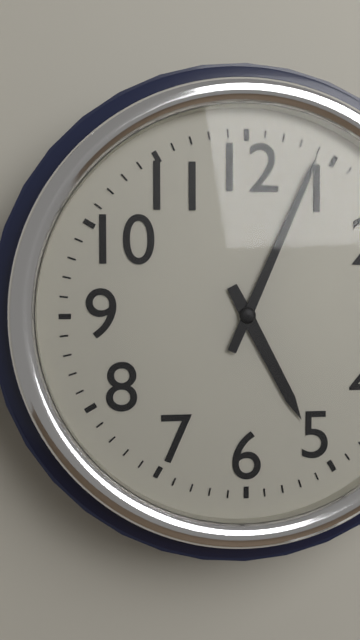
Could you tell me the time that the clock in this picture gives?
5:04
